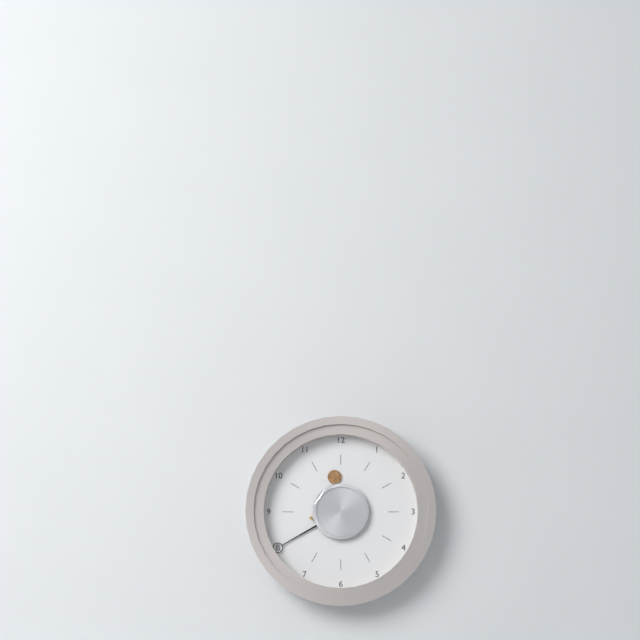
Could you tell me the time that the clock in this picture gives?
11:40
